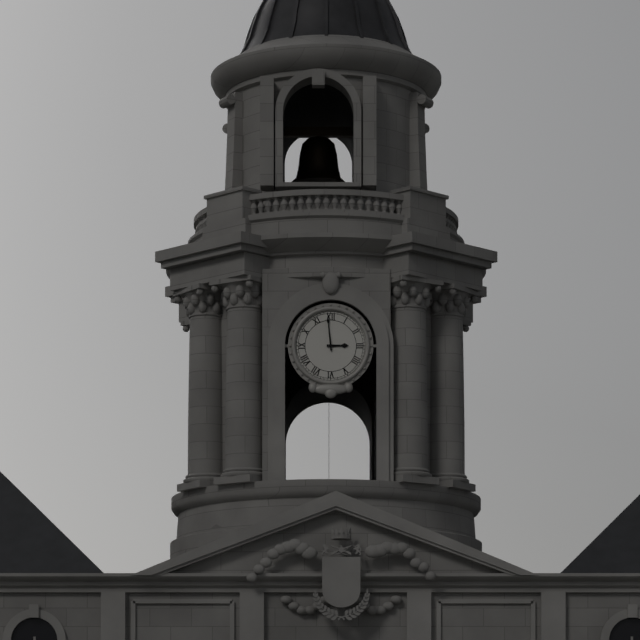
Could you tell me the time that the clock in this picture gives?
2:59
